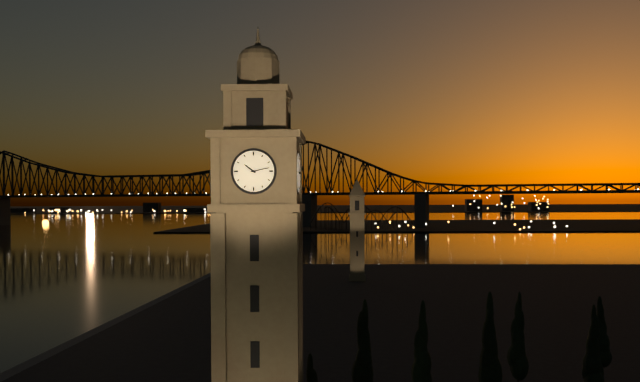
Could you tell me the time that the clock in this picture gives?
10:13
